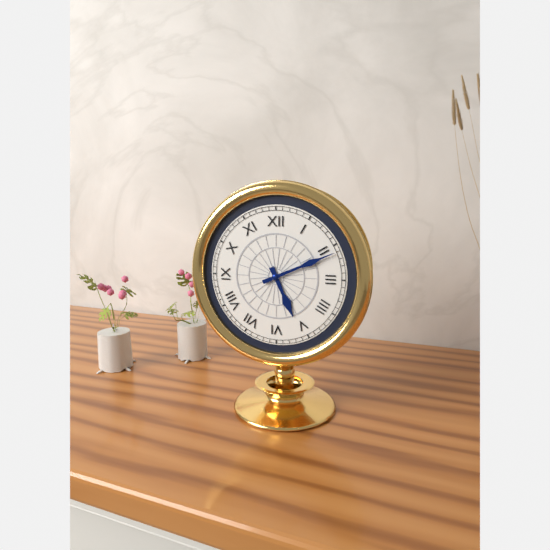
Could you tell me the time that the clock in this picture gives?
5:11
